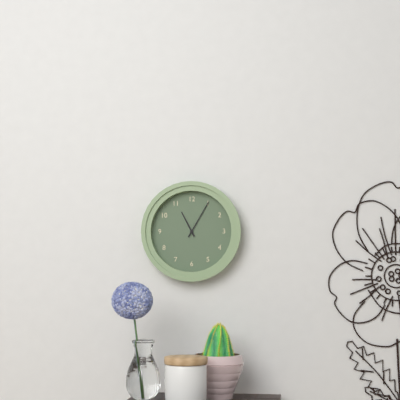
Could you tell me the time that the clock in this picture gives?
11:05
